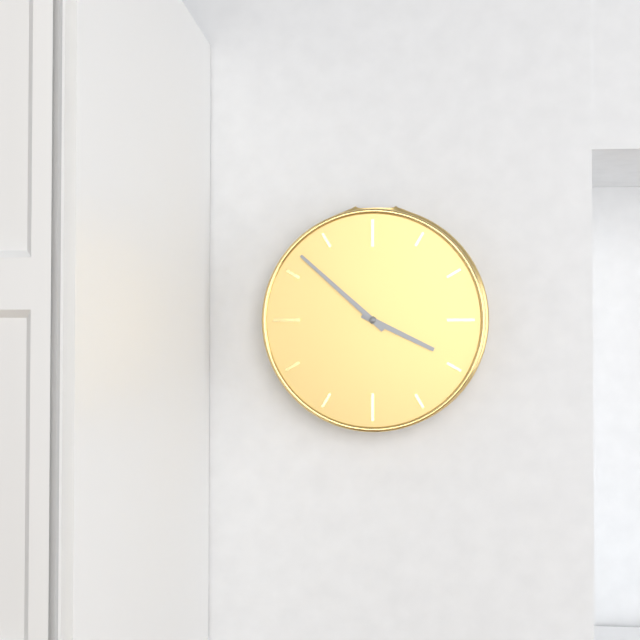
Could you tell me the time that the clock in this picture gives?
3:52
